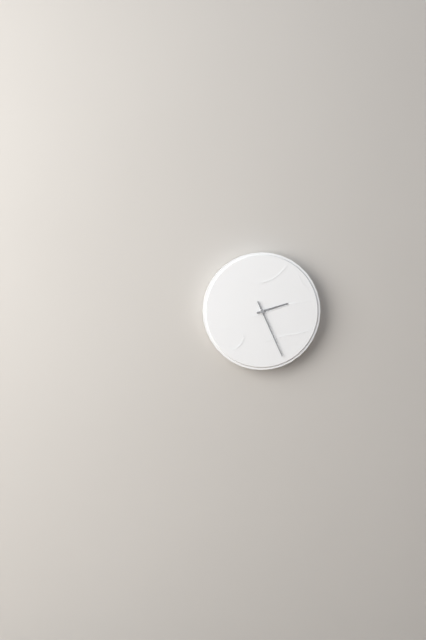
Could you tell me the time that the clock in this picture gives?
2:26
